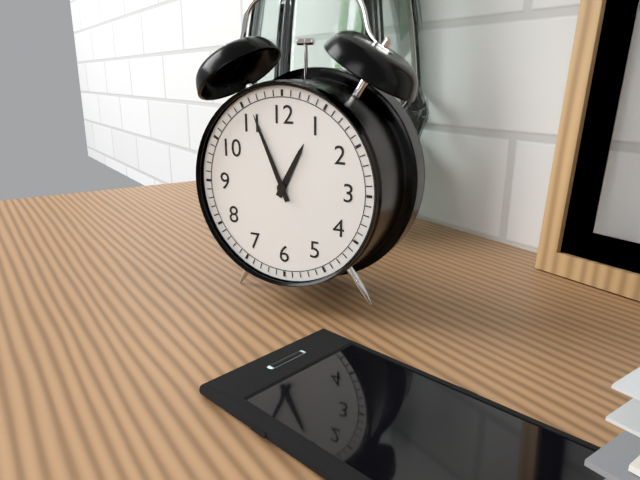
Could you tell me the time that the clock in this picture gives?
12:56
